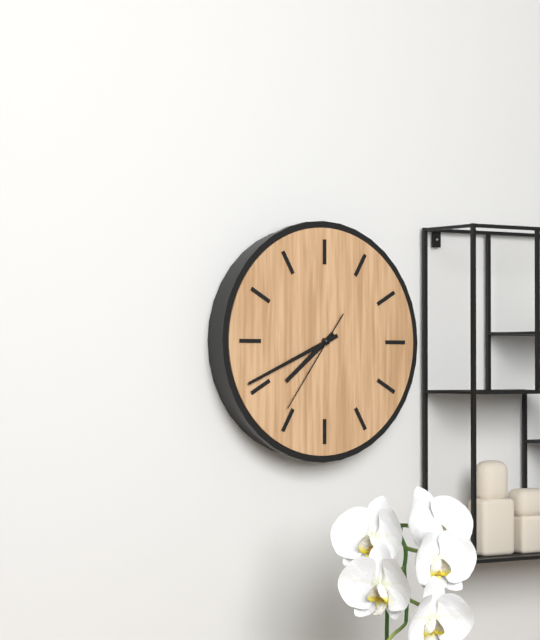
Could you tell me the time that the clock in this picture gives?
7:41:36
